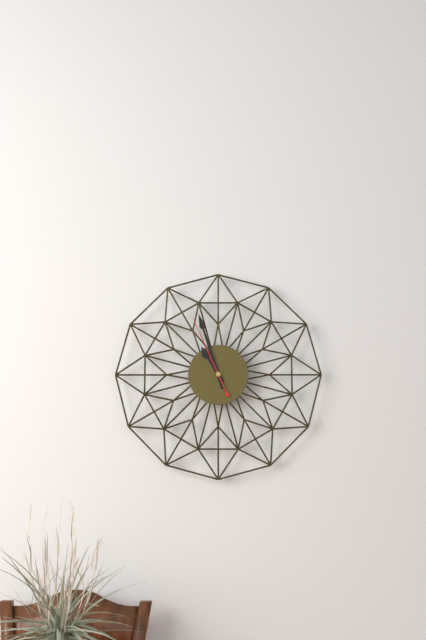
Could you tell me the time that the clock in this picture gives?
10:57:56
